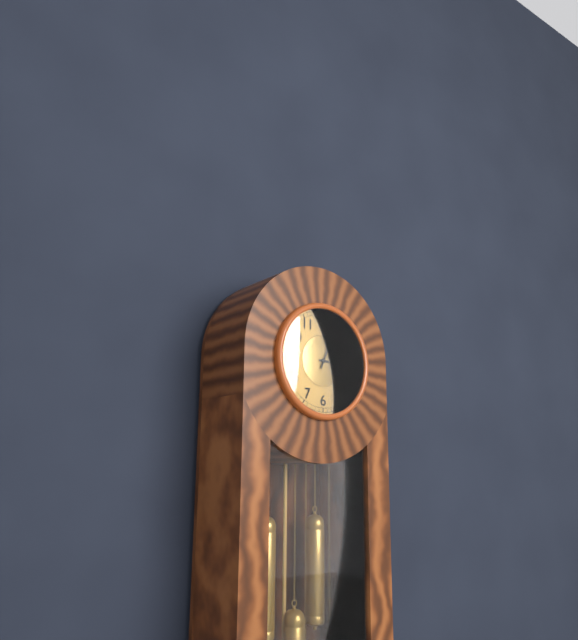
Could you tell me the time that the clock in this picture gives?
3:04
